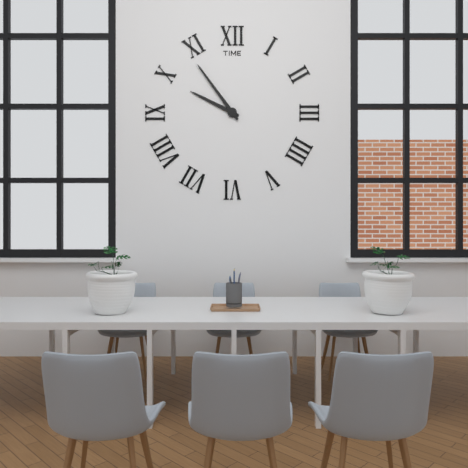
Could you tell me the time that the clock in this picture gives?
9:54
